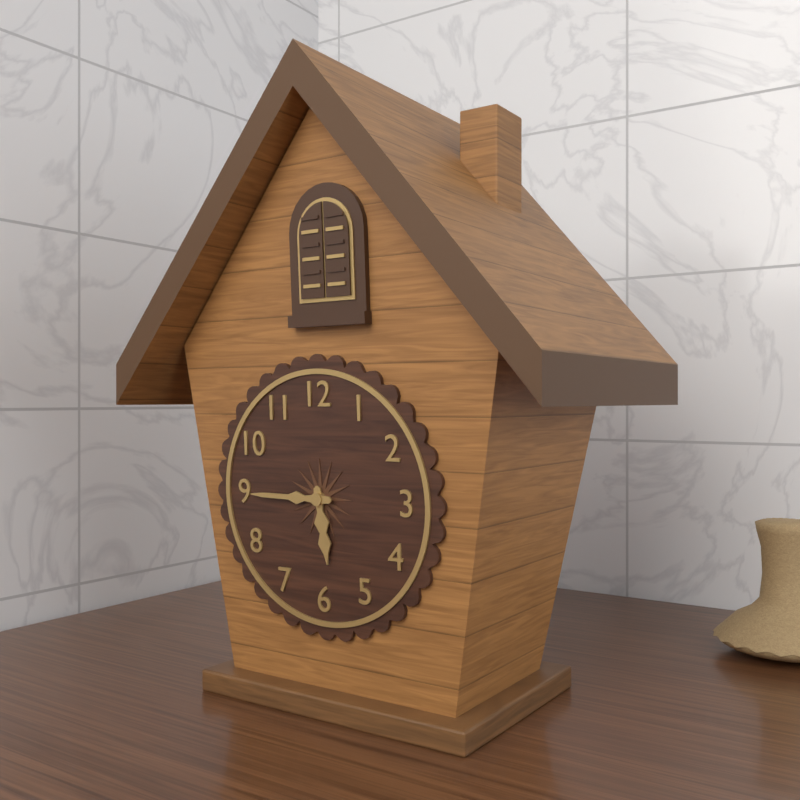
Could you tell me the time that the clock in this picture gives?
5:45
